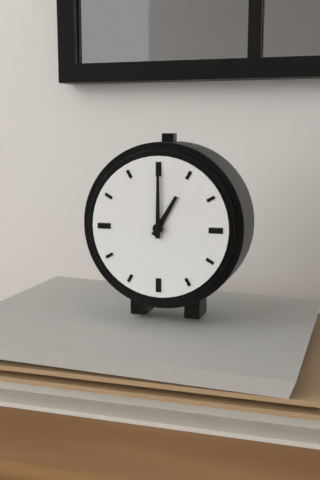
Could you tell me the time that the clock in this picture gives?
1:00
